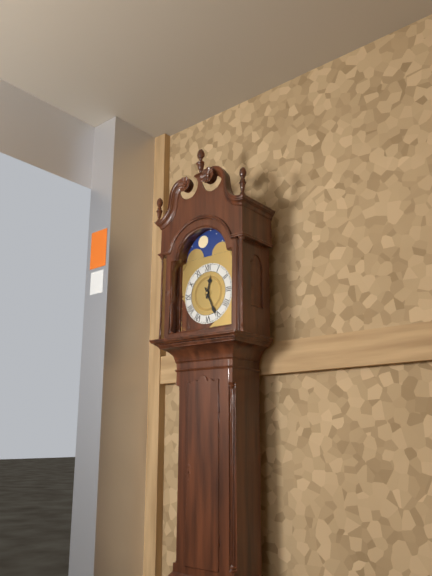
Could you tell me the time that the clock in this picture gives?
12:26
